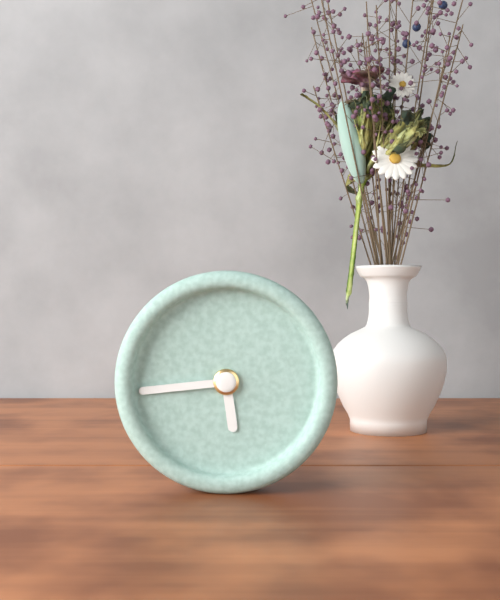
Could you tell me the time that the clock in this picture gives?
5:44
